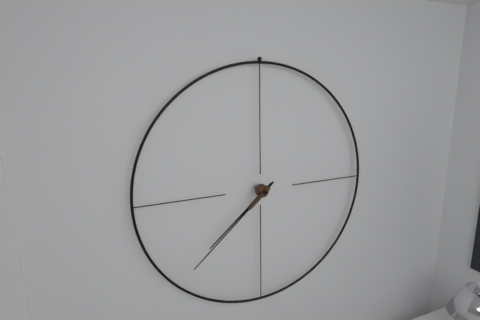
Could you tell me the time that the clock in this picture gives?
7:38
